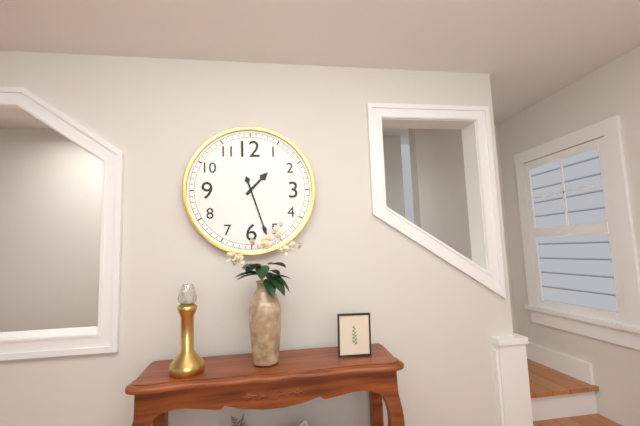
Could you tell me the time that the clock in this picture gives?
1:27
